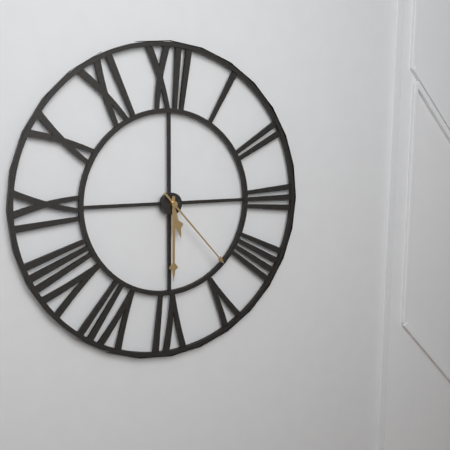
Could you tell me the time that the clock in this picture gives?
5:30:23
